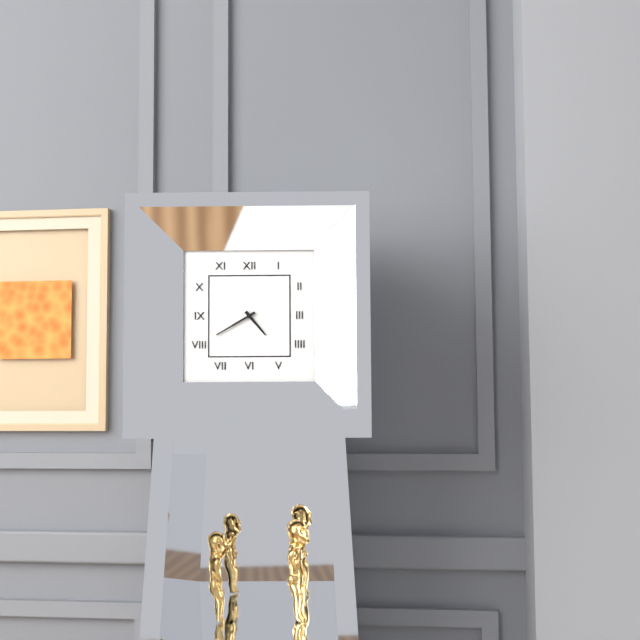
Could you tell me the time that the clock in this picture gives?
4:40
